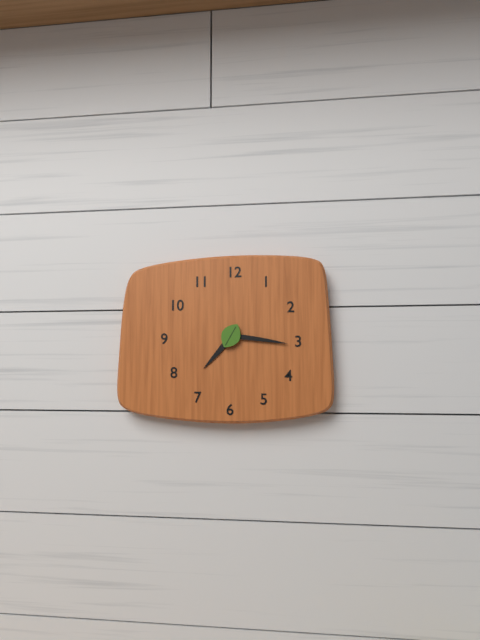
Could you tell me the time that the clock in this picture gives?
7:16
